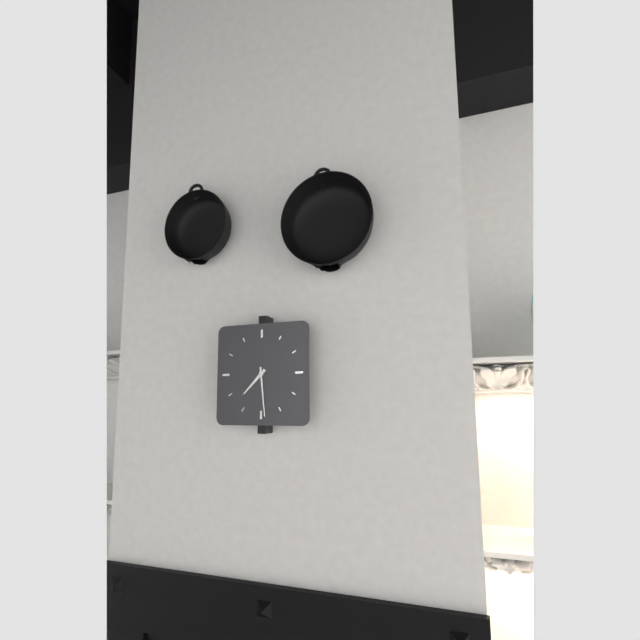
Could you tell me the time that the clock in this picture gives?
7:29
